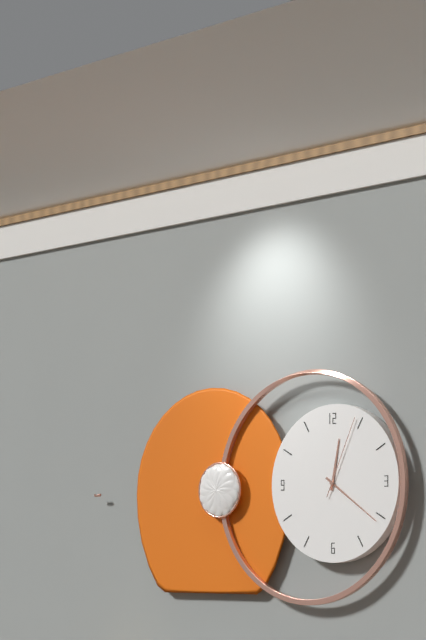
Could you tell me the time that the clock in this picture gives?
12:21:04
